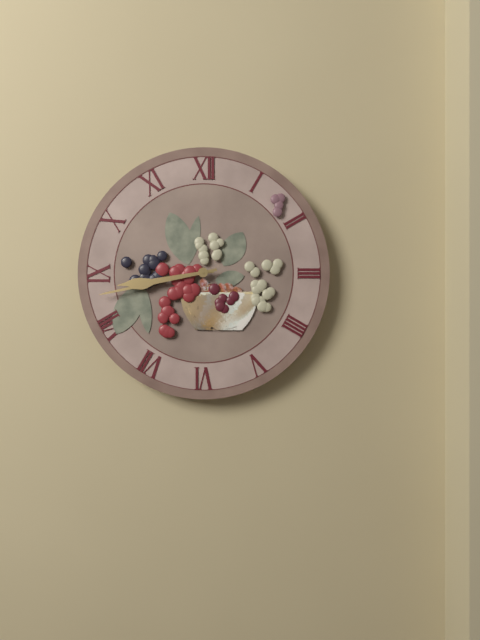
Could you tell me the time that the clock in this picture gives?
8:43
